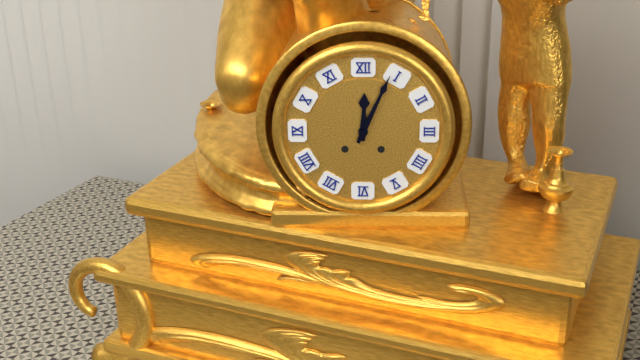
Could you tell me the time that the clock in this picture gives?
12:04
